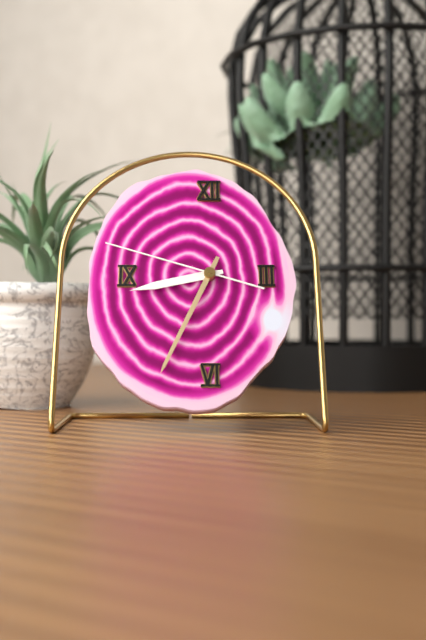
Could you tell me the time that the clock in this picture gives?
8:34:48
